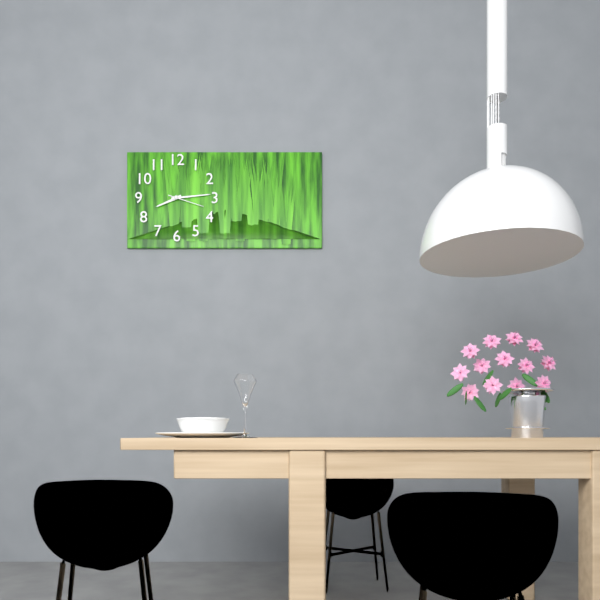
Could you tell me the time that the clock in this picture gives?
8:14
